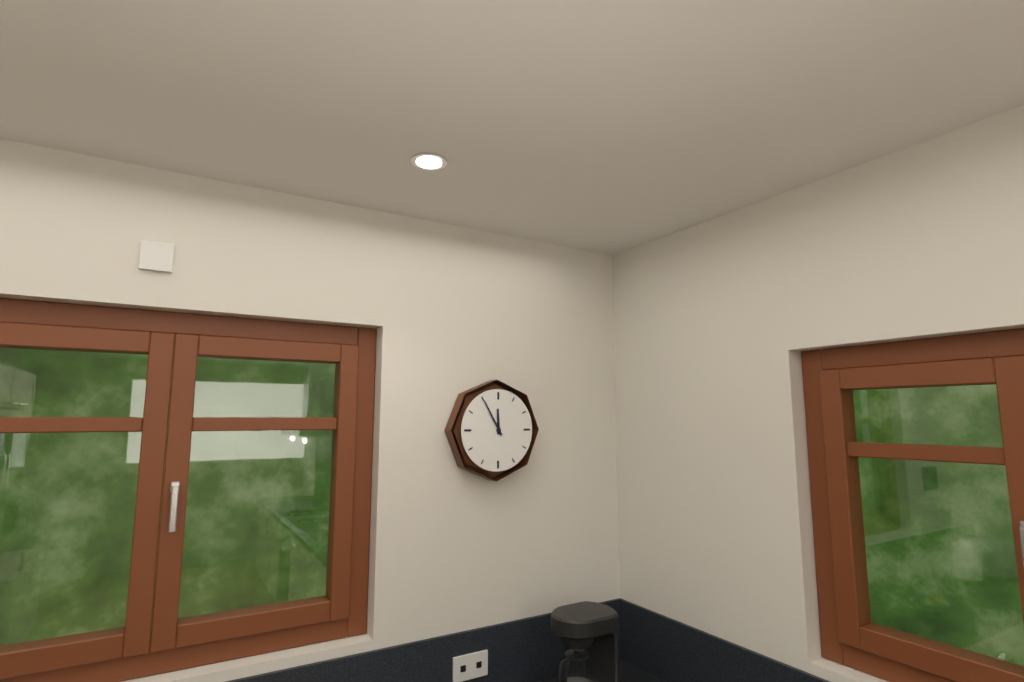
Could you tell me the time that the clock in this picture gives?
11:55
